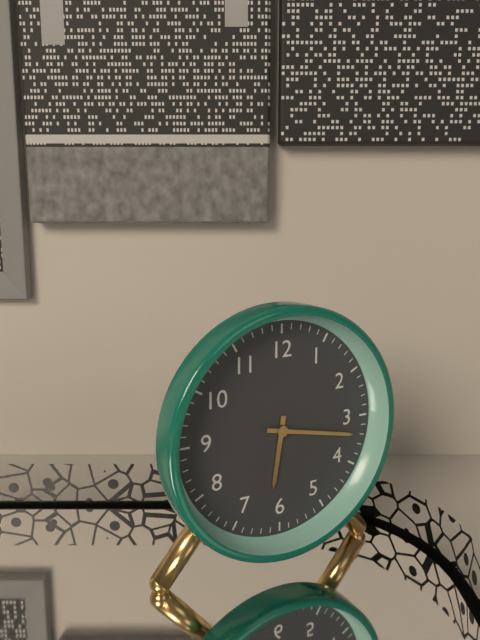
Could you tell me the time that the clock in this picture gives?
6:17
